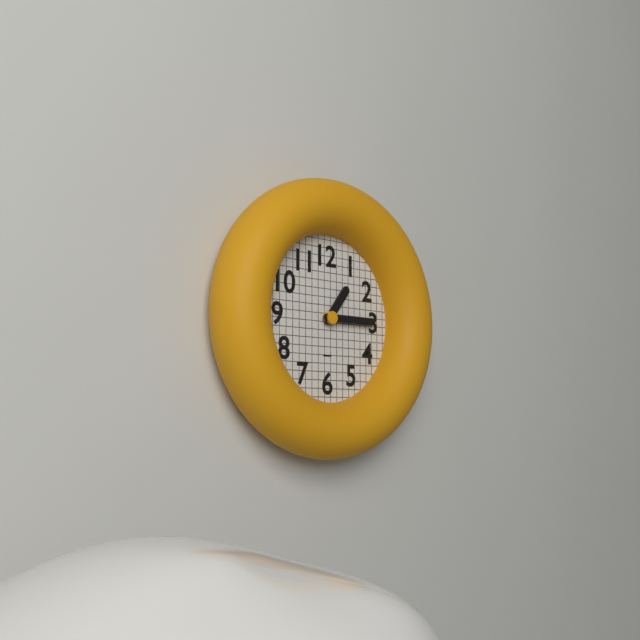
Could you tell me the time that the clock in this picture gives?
1:15
